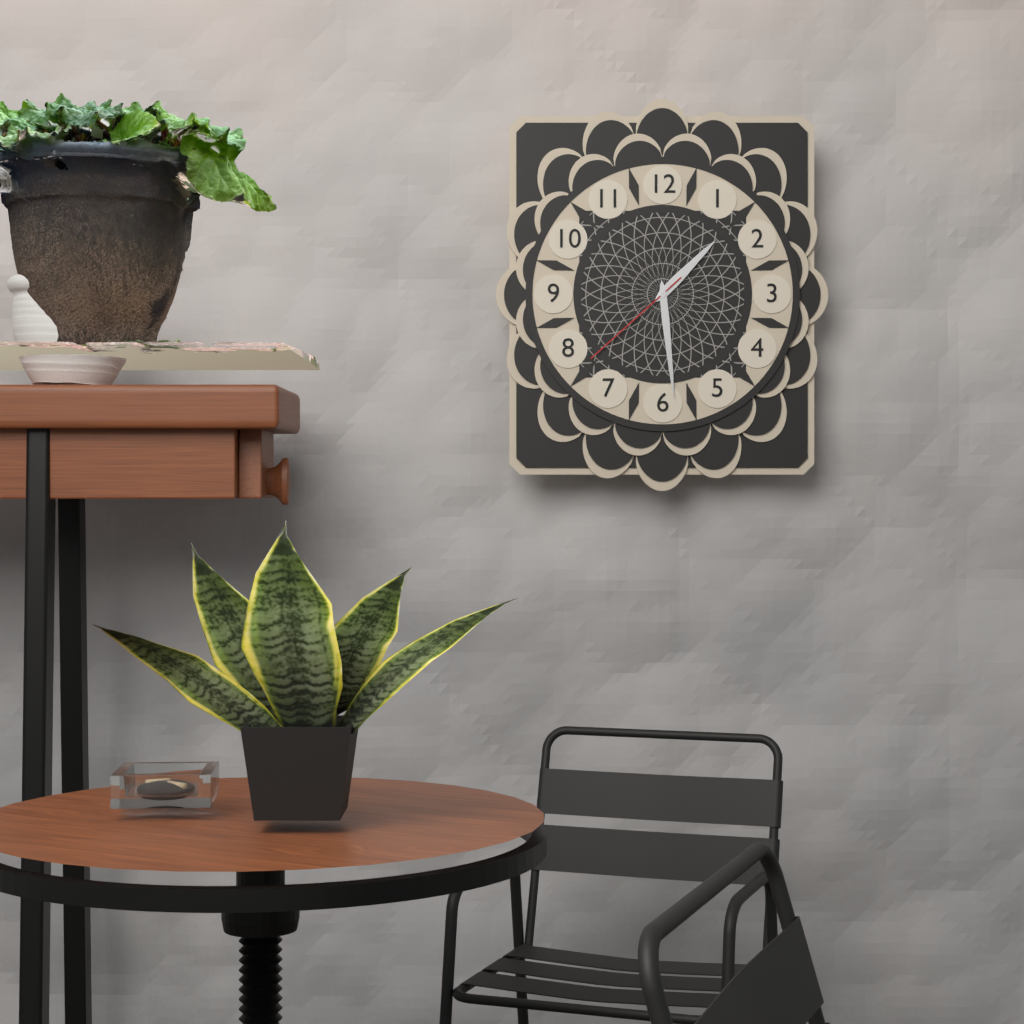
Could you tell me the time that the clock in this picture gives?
1:29:38
